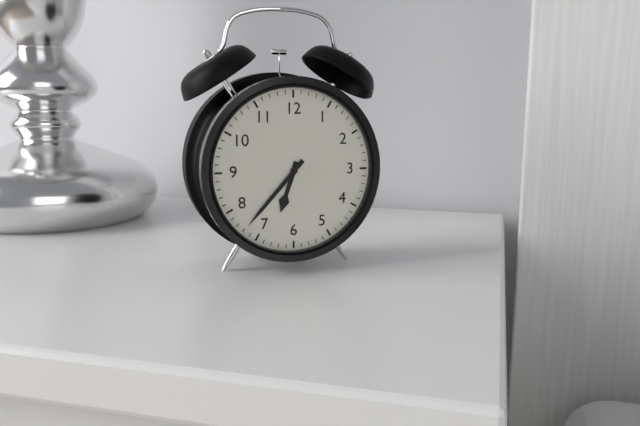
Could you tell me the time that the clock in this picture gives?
6:37
